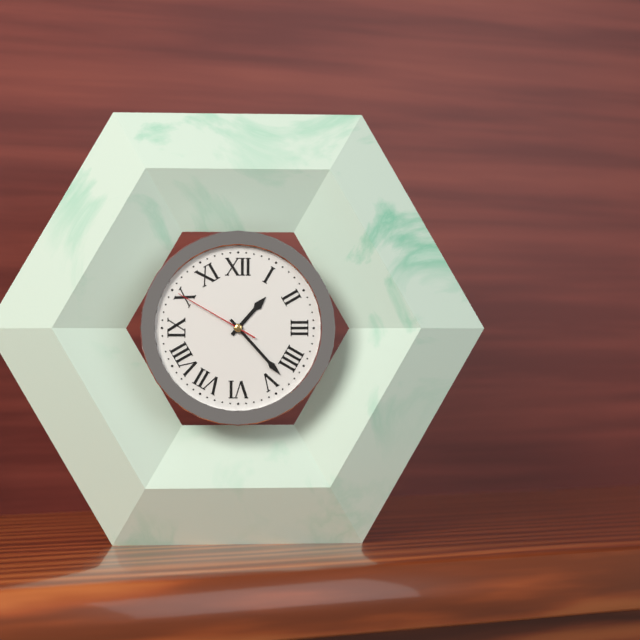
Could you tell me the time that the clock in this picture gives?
1:23:50
